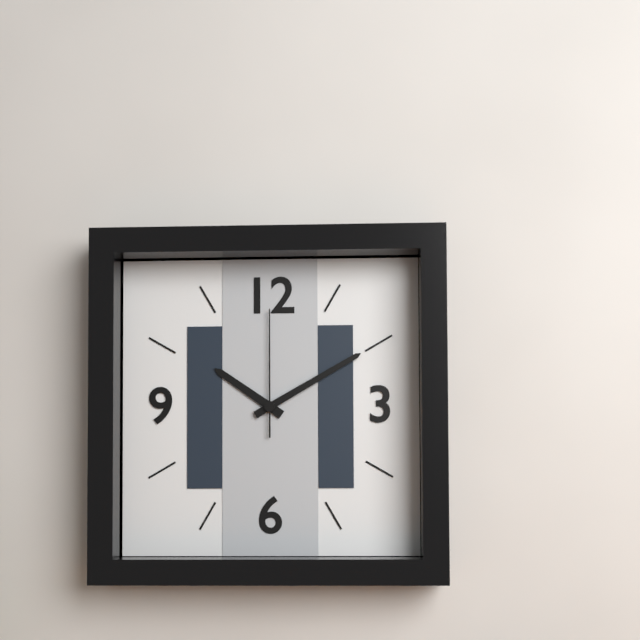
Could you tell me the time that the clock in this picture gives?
10:10:00
